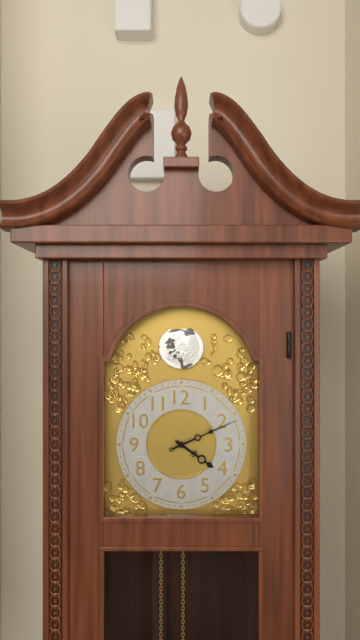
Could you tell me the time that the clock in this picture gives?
4:11
